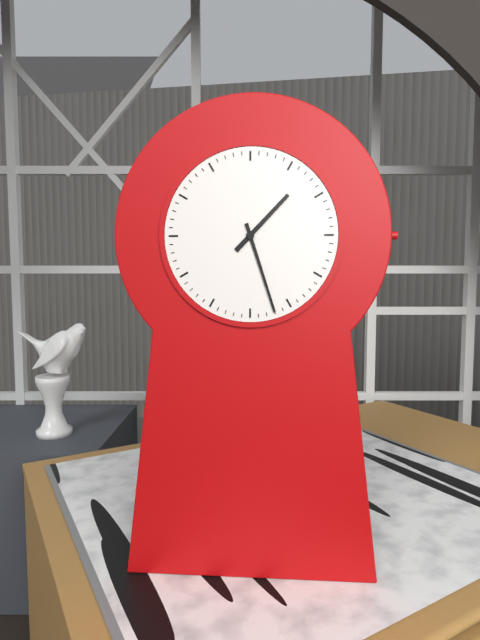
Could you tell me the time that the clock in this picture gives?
1:27
